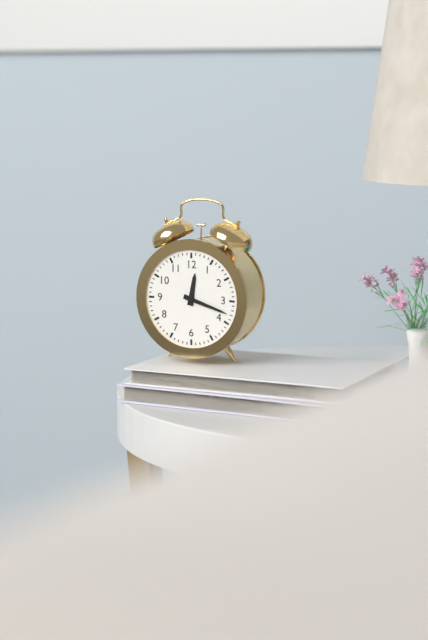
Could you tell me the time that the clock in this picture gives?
12:18
